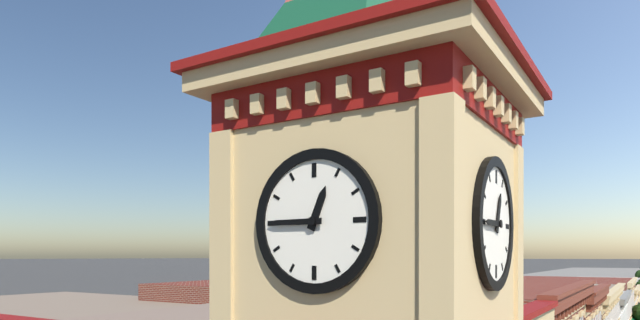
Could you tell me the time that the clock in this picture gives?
12:45
